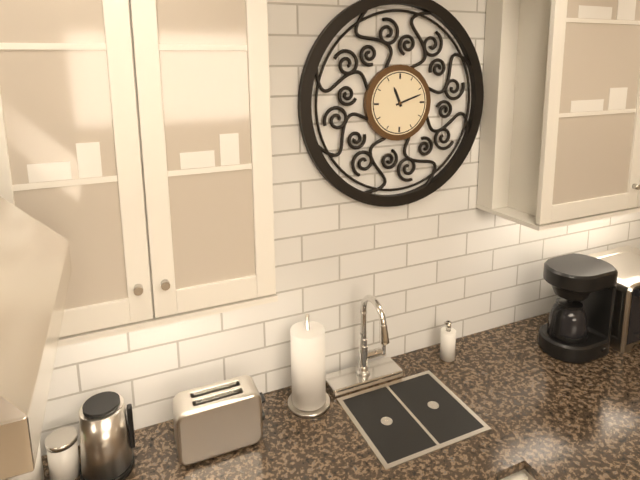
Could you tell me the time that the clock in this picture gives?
11:12
